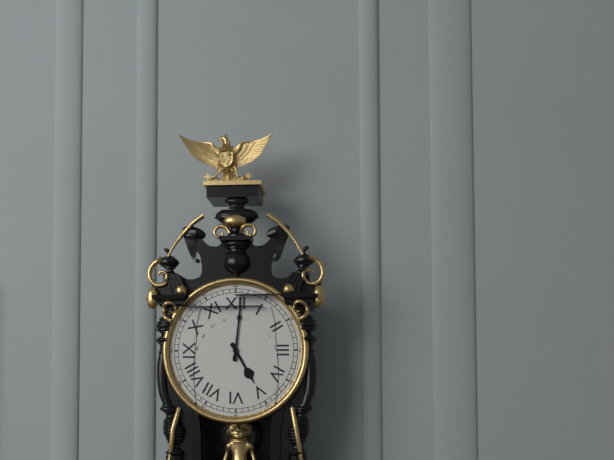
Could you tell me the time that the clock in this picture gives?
5:01
